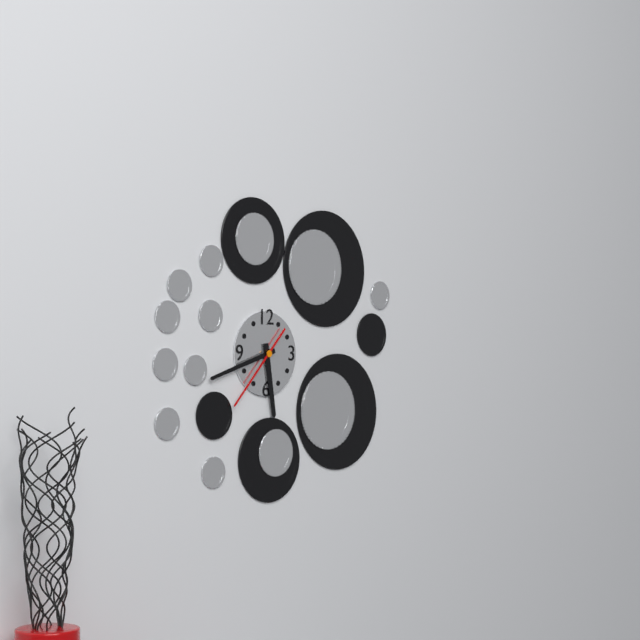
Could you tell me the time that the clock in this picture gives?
5:42:37
